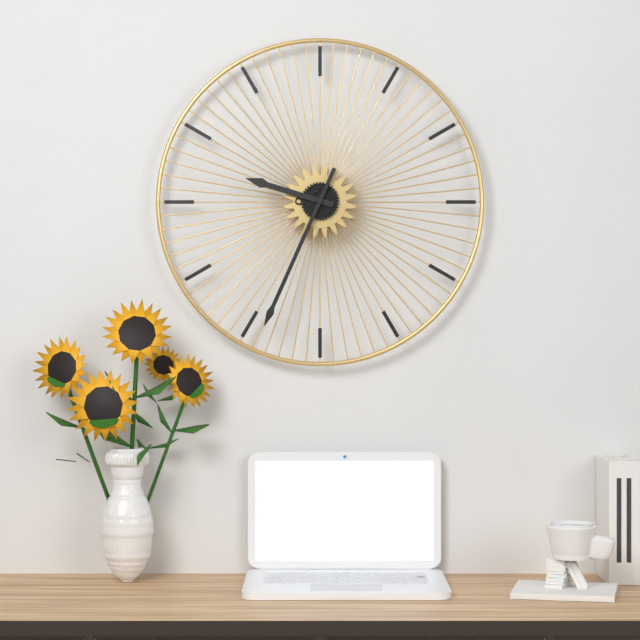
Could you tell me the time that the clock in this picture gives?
9:34
